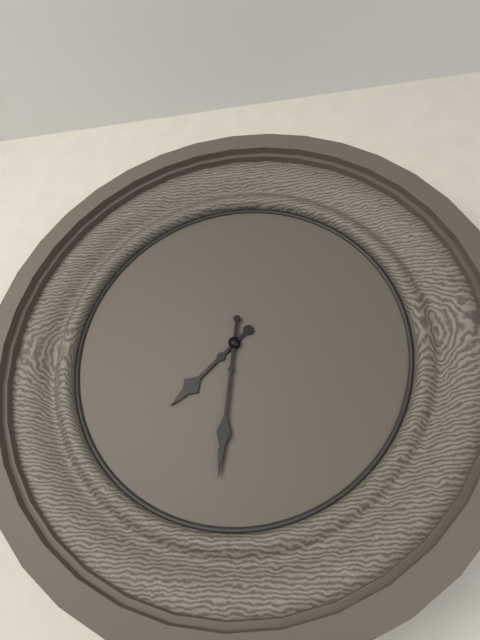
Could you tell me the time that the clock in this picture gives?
7:31
